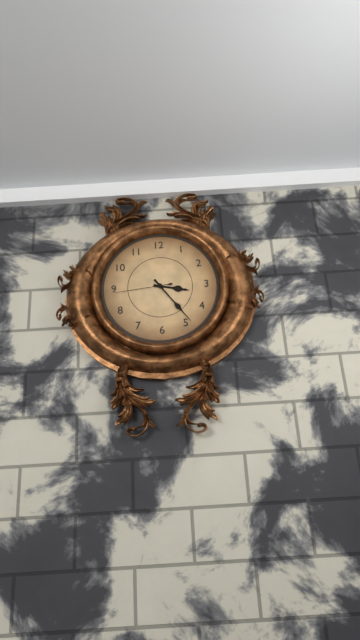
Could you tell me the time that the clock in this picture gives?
3:24:44
